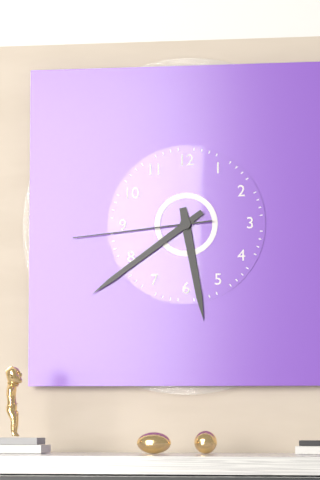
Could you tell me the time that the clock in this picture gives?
5:39:44
